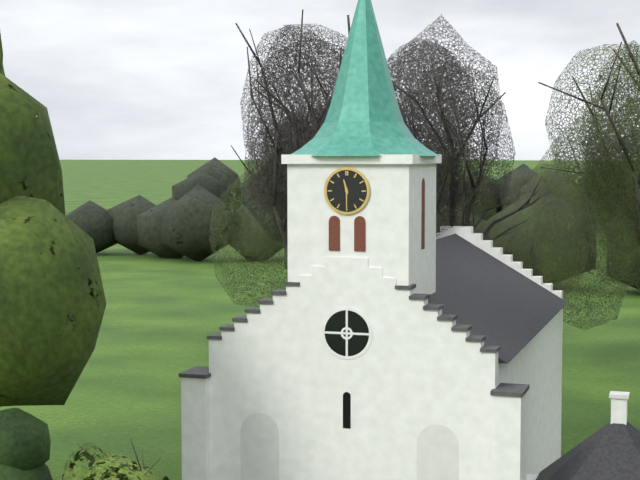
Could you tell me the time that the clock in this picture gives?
11:30
